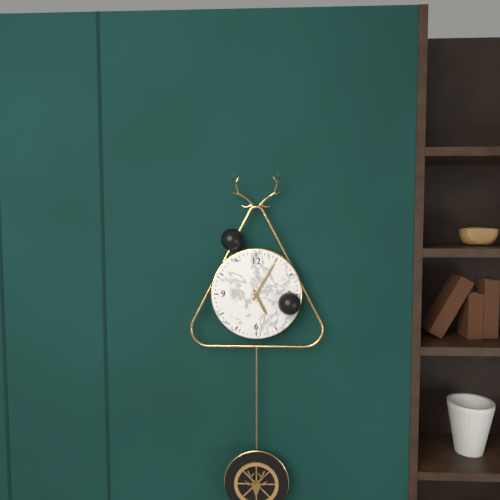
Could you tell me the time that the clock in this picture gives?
5:05
